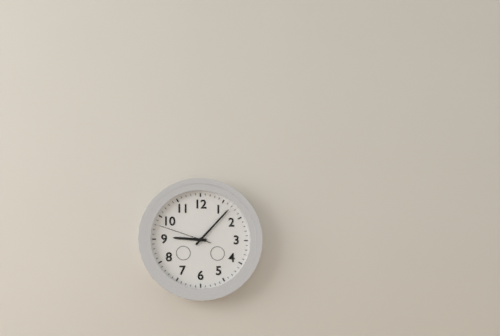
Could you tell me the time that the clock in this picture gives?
9:07:48
